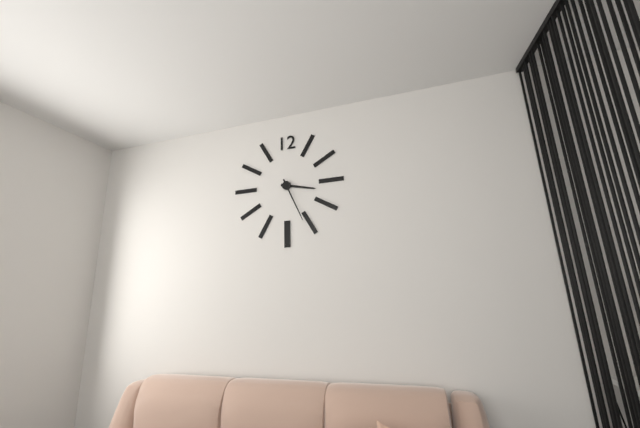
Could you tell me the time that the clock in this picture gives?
3:26
